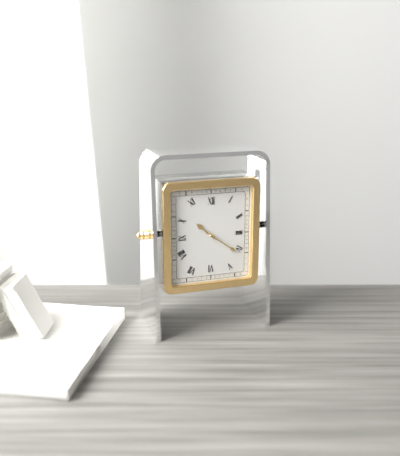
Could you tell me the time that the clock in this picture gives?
10:21
